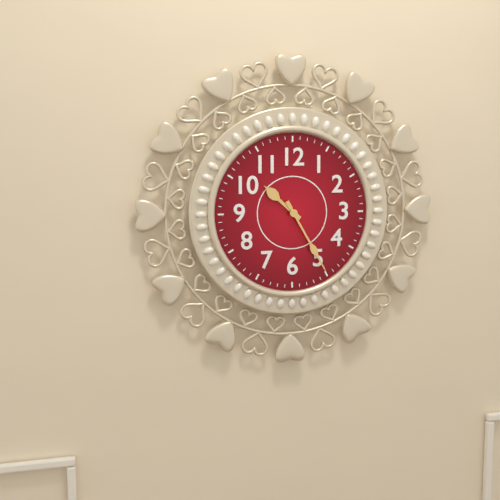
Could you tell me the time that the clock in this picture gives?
10:25
